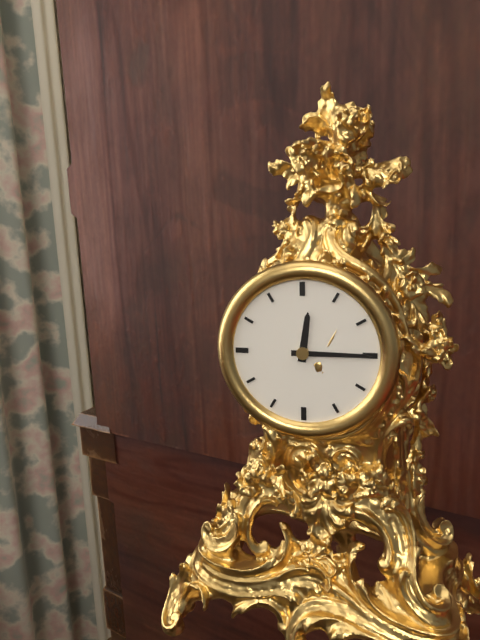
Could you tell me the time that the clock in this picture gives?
12:15
